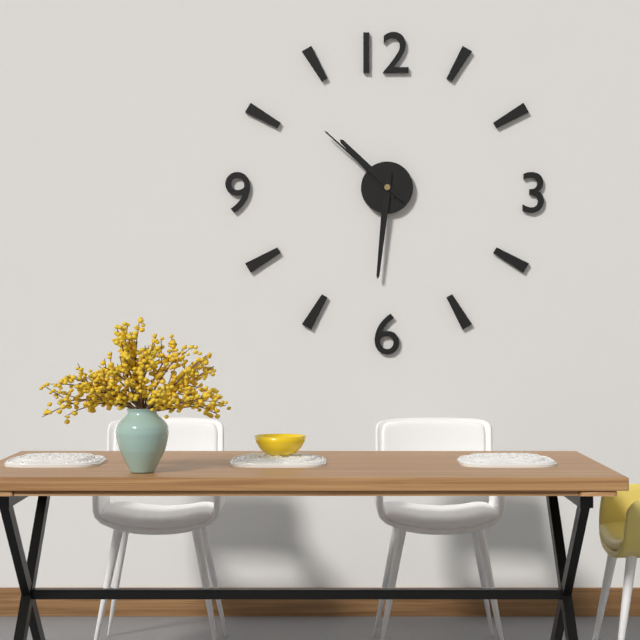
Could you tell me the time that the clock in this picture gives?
10:31:52
